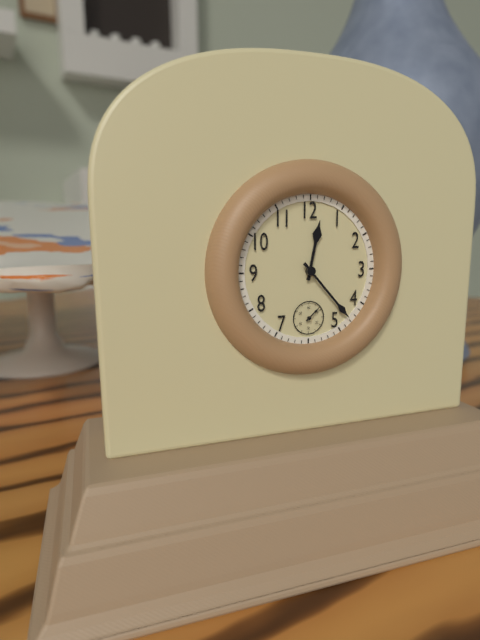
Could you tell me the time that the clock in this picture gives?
12:23
